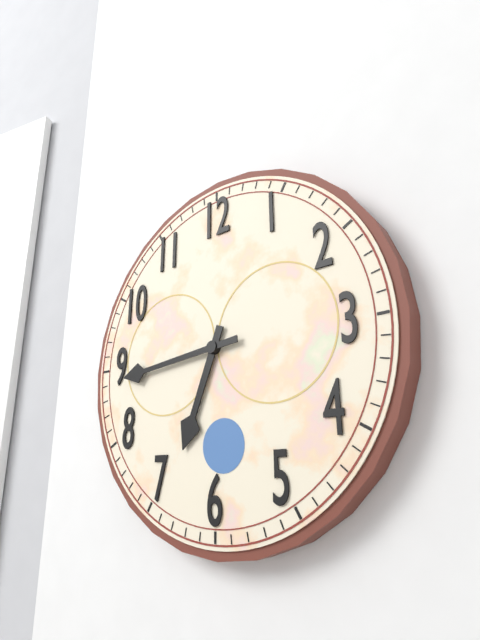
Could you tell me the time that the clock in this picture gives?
6:44
